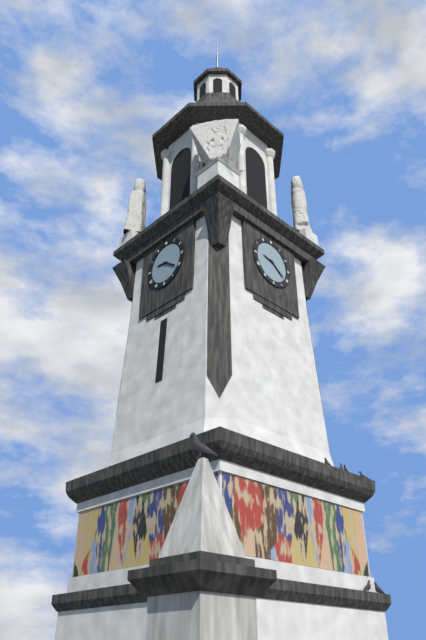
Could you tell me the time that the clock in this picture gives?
9:21
